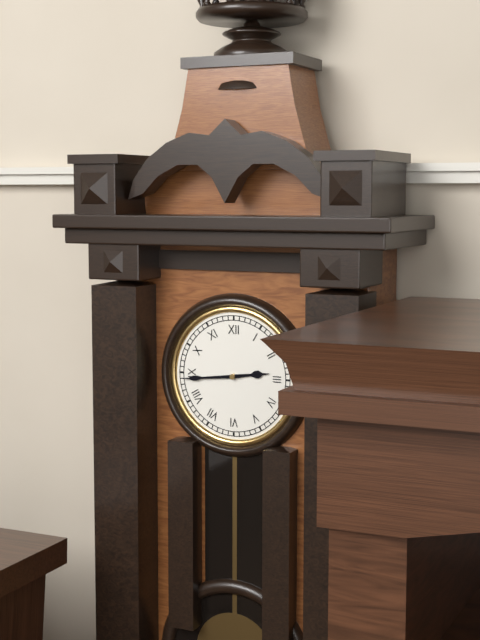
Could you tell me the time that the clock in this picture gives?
2:44
